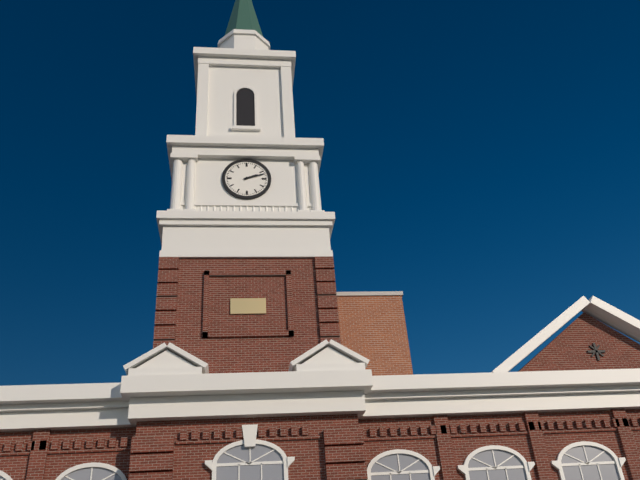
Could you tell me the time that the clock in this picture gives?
2:12
